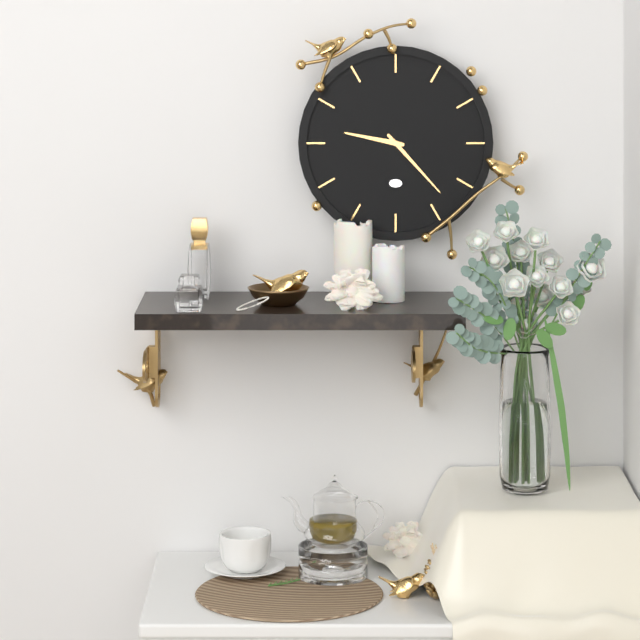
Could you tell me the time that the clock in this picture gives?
9:23
